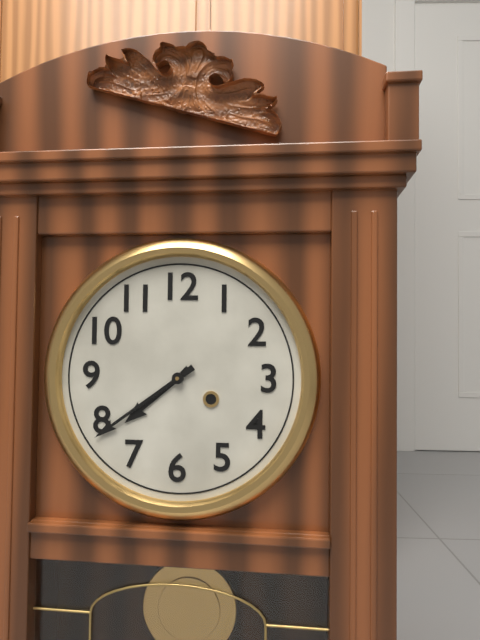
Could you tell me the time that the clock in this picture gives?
7:39
